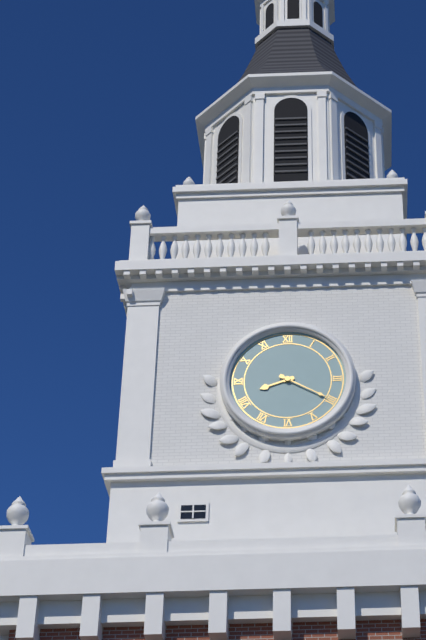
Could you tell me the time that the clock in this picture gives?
8:20
